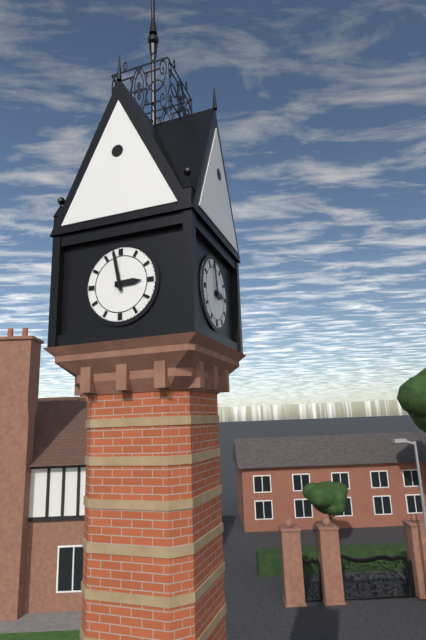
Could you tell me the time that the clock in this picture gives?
2:58
